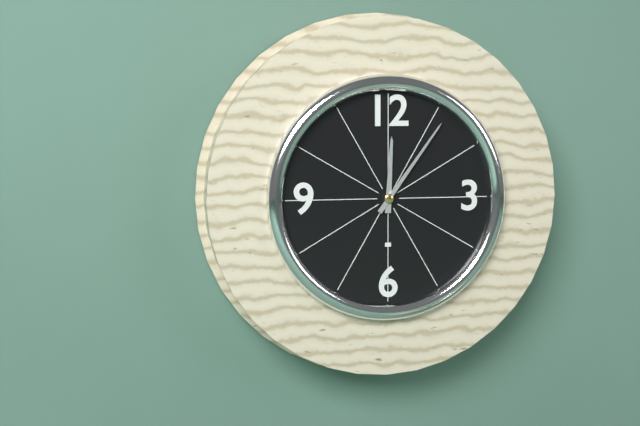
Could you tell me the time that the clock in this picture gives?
12:06
